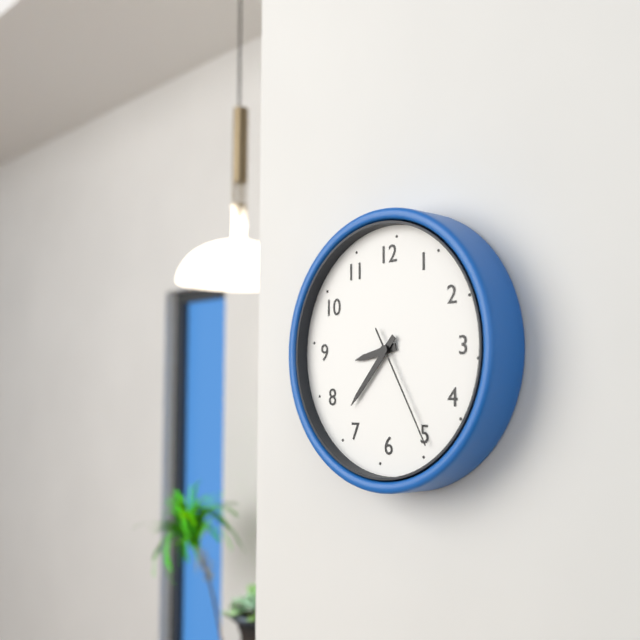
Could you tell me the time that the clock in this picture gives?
8:37:25
